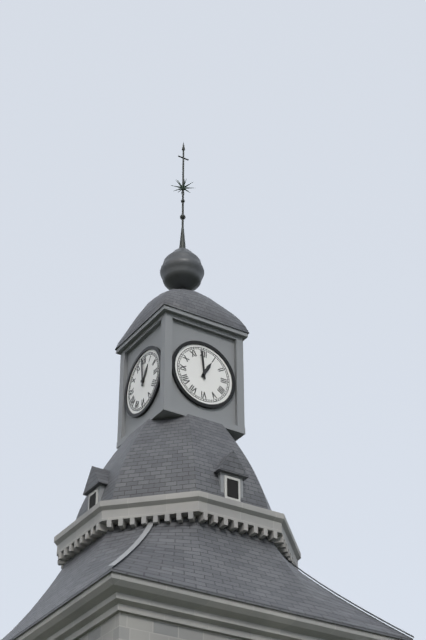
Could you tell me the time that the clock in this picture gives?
12:59
